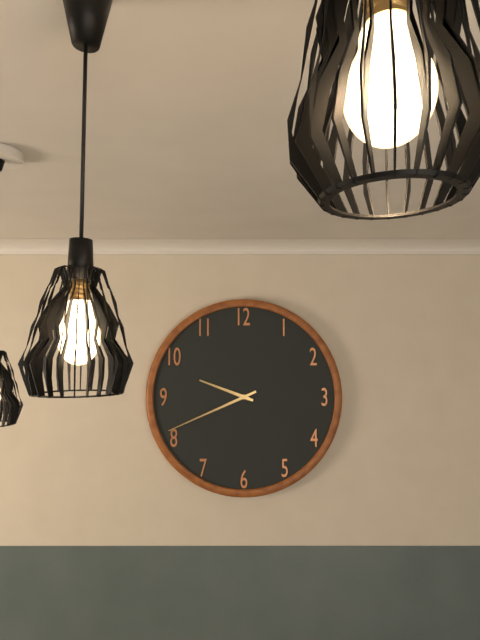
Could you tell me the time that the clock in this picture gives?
9:41
